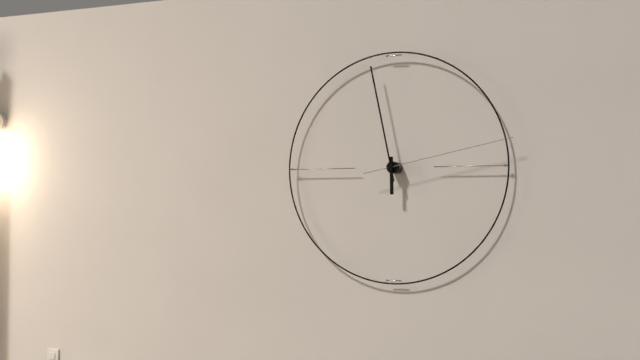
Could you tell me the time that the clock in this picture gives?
5:58:13
